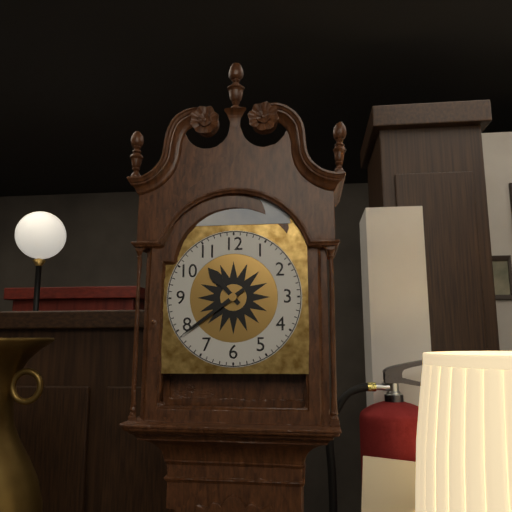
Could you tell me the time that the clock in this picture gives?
10:39
